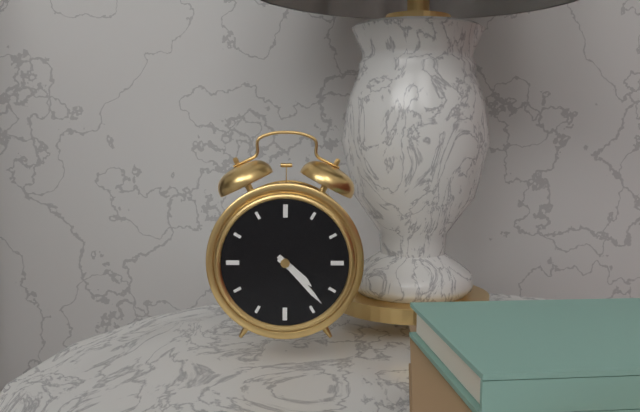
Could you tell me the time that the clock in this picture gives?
4:23
